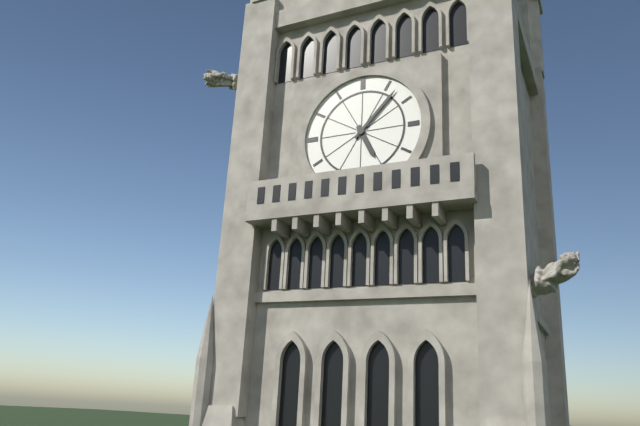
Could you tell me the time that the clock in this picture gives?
5:07
